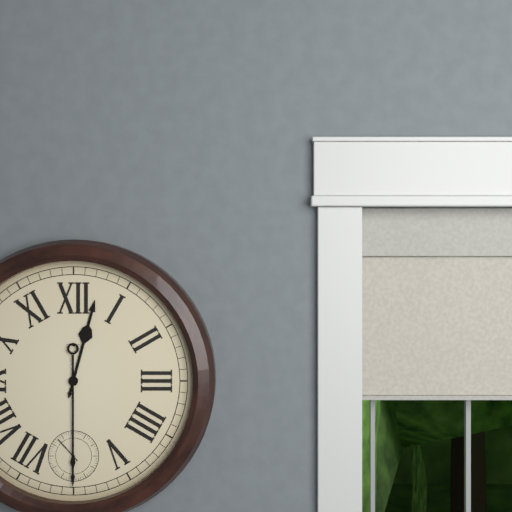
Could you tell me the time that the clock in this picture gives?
12:30
